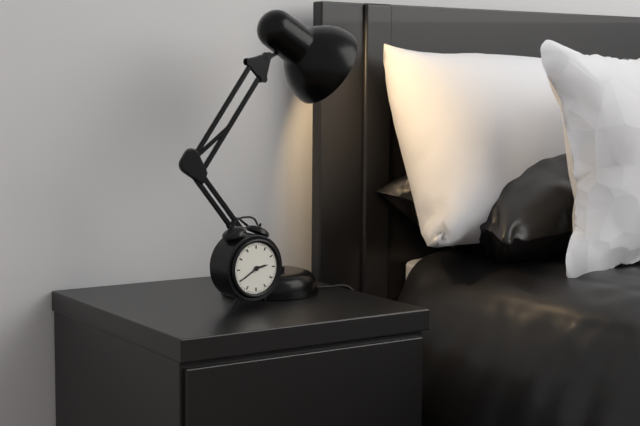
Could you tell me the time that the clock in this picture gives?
2:40
